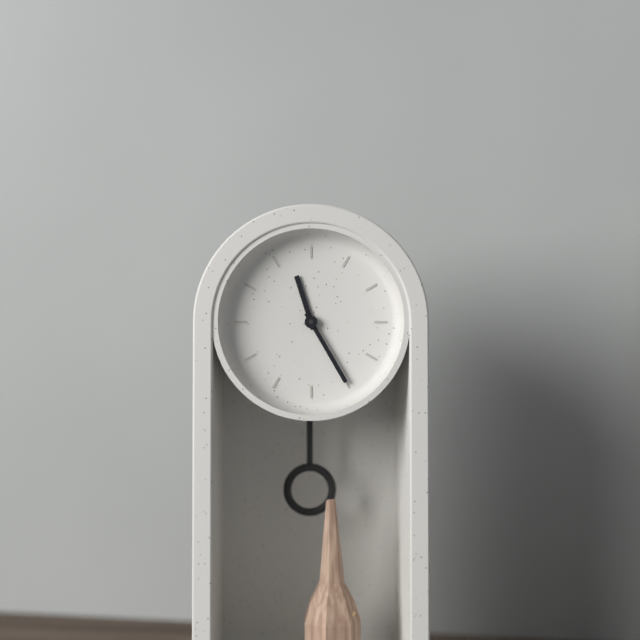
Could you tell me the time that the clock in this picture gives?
11:25
